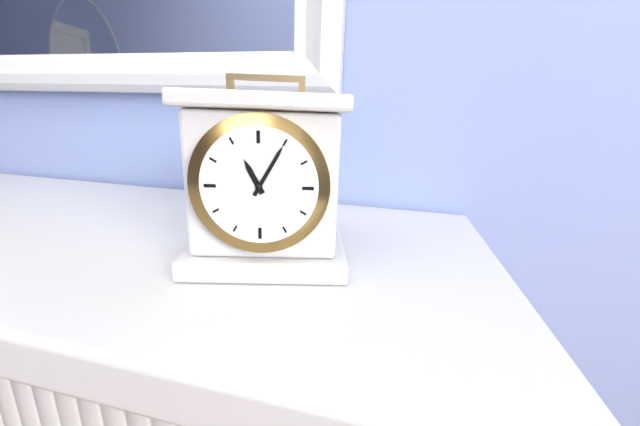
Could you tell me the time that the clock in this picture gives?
11:05
